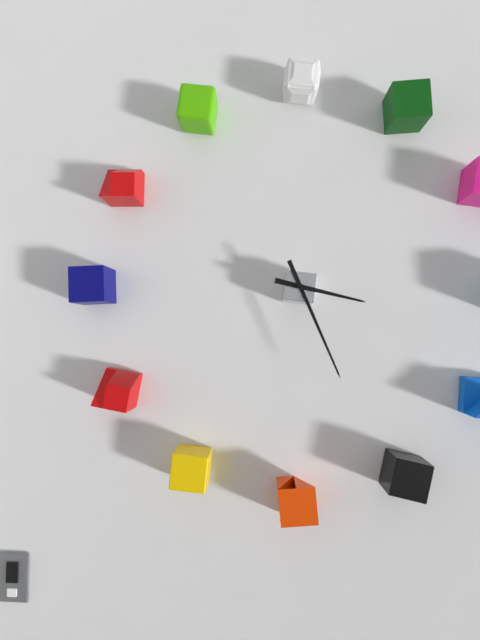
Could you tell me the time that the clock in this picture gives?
3:26
